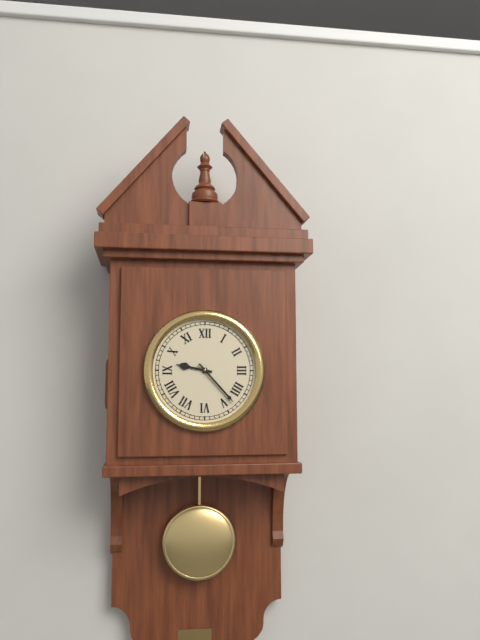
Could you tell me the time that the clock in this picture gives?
9:23
